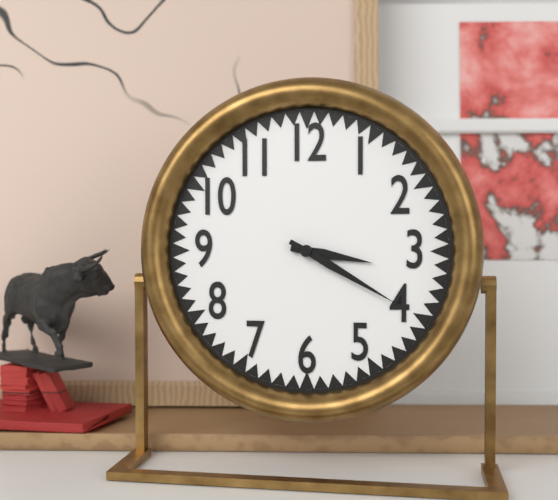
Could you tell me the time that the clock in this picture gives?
3:20
